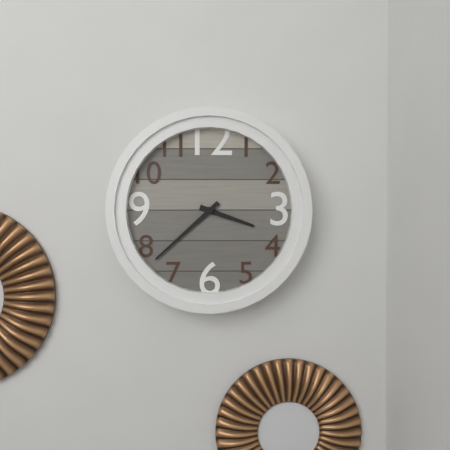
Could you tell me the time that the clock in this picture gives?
3:38
